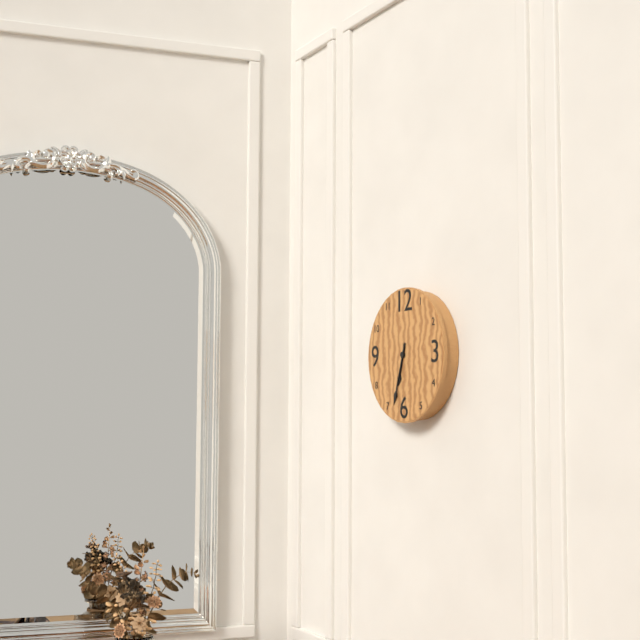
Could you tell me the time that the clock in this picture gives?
6:33
